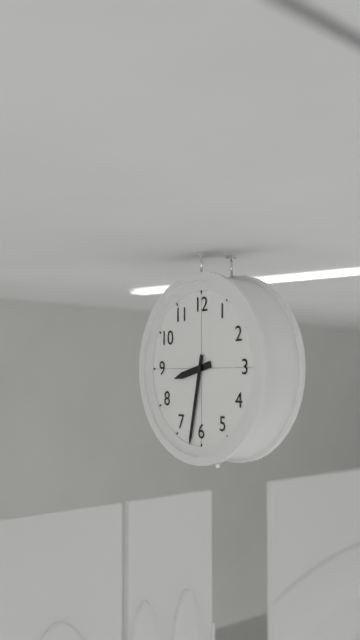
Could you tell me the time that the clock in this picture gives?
8:32
